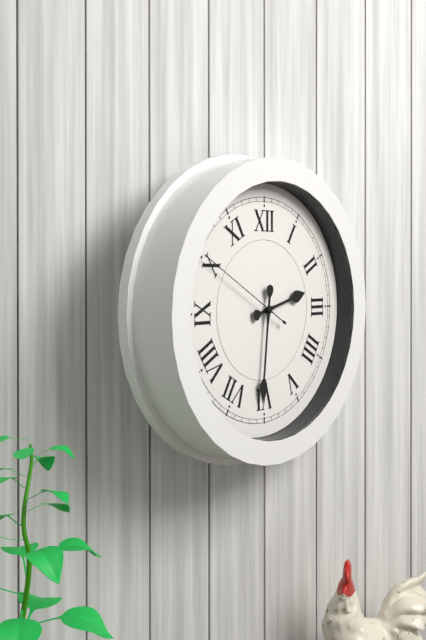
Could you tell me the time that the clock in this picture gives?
2:31:50
